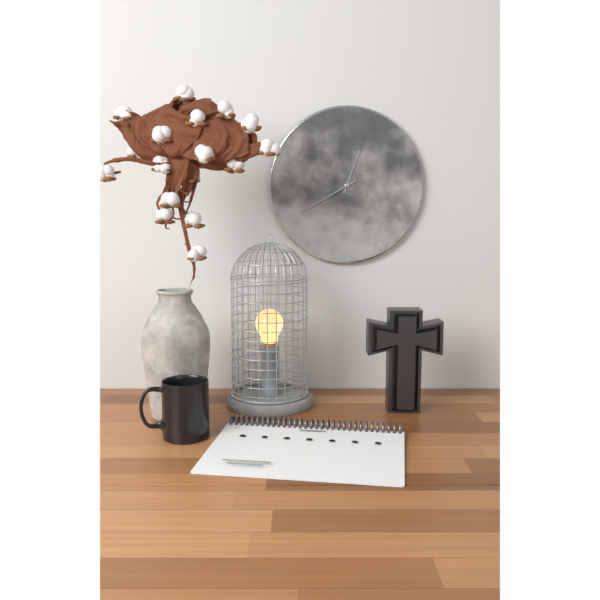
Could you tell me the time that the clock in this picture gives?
12:40
